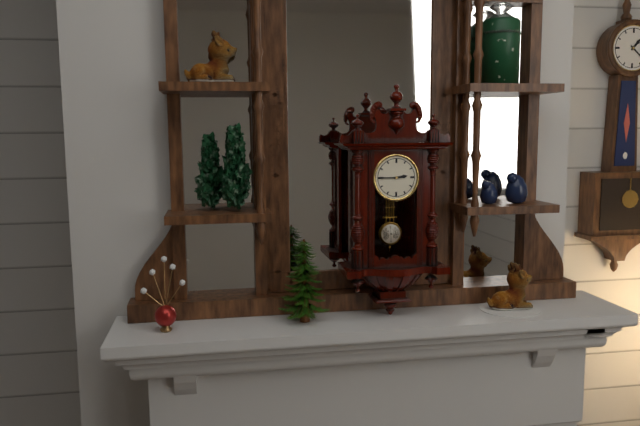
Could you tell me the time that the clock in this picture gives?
2:45
